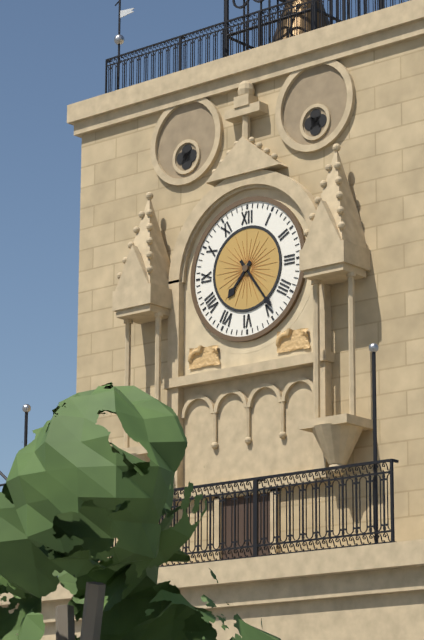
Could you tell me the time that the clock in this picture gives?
7:24
